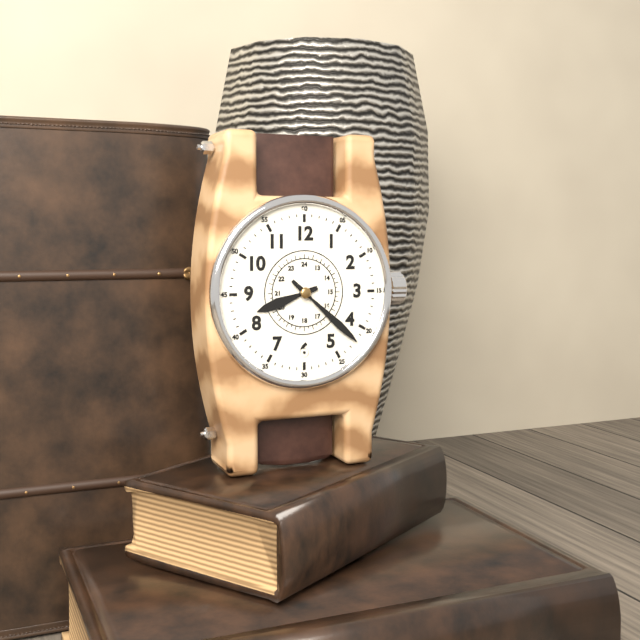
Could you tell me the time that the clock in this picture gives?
8:22
